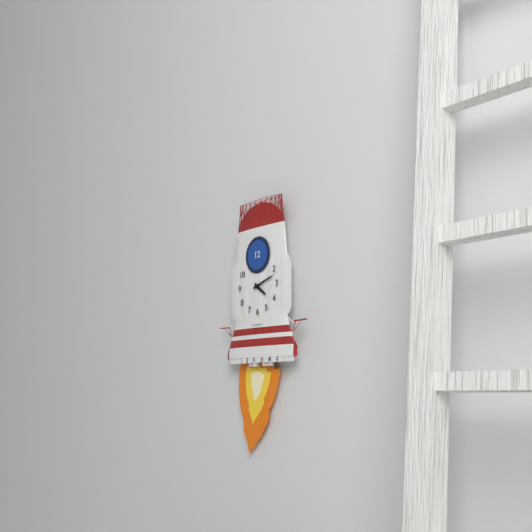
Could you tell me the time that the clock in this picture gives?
4:12
